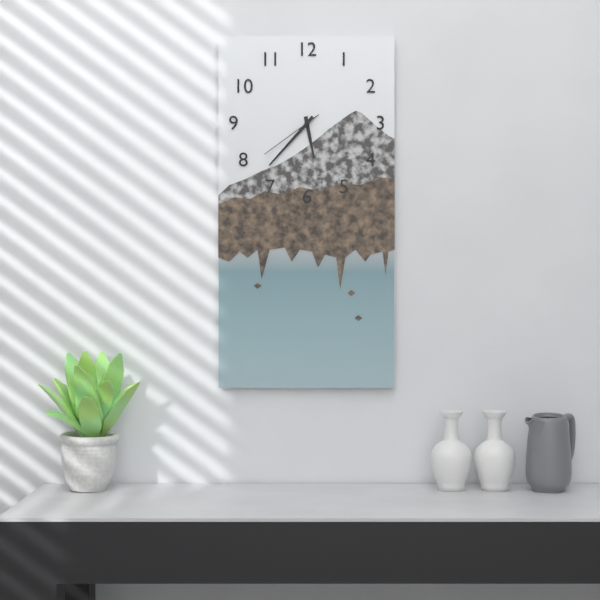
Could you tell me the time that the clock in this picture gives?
5:37:39
